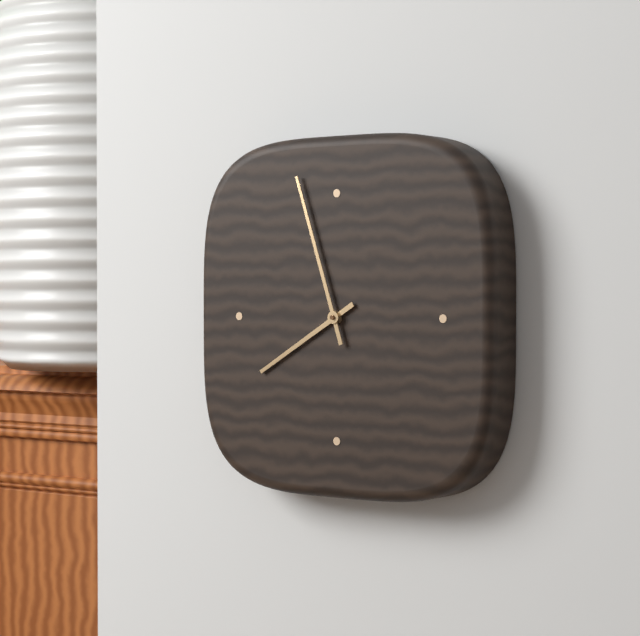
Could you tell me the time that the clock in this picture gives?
7:57
